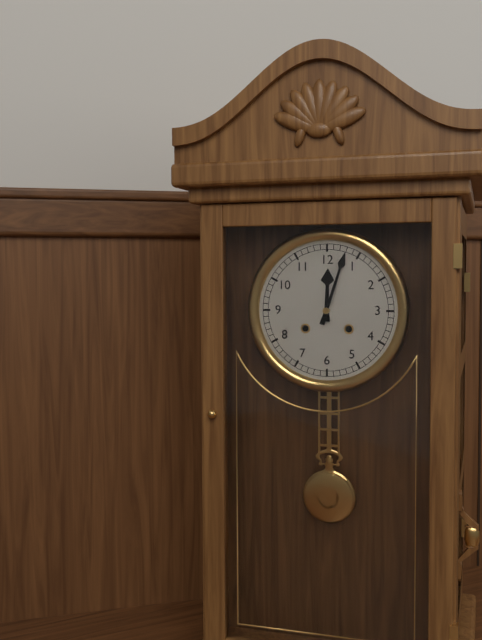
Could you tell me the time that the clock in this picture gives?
12:03
